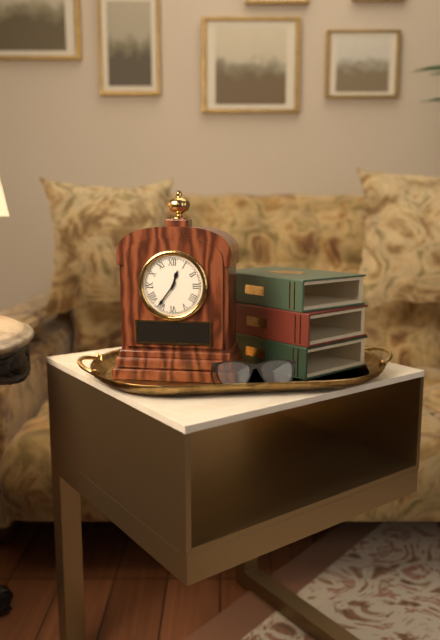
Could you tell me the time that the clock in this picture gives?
12:36
